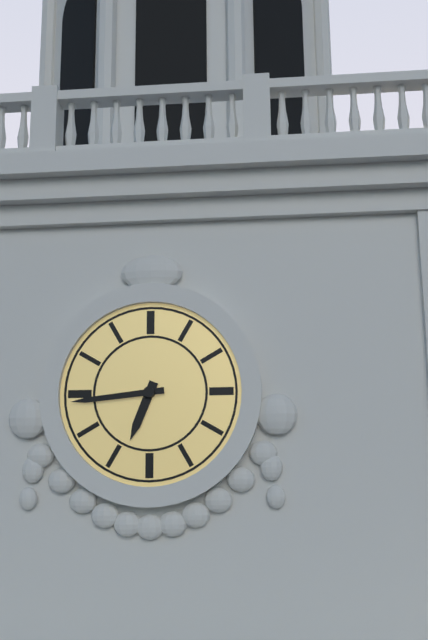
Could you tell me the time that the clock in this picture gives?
6:44
